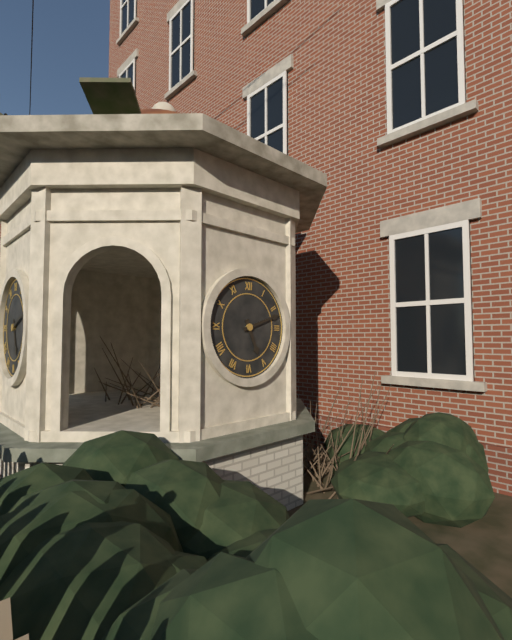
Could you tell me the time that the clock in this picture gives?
5:12
